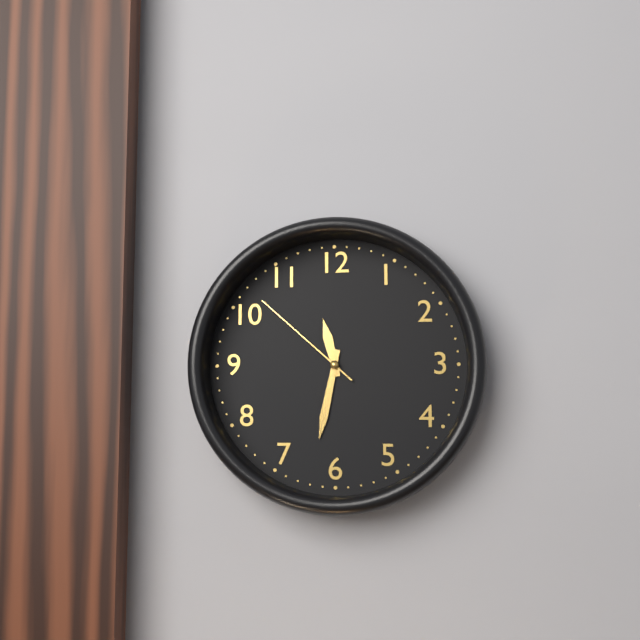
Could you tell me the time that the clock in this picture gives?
11:32:52
